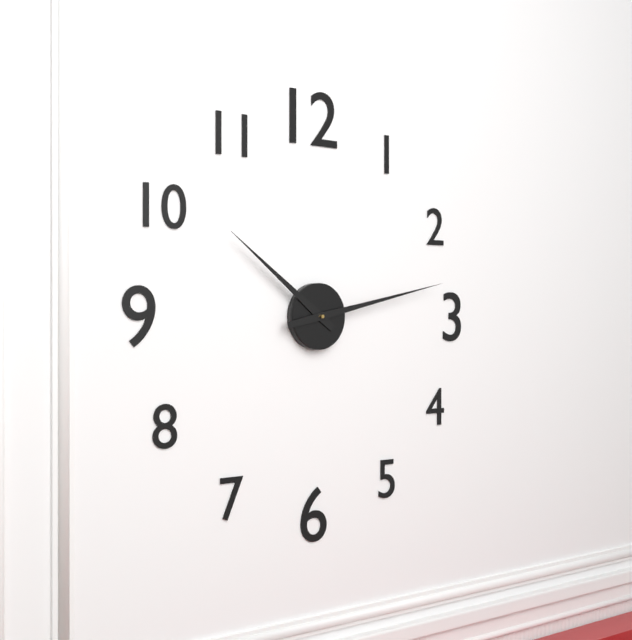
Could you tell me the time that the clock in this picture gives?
10:13
